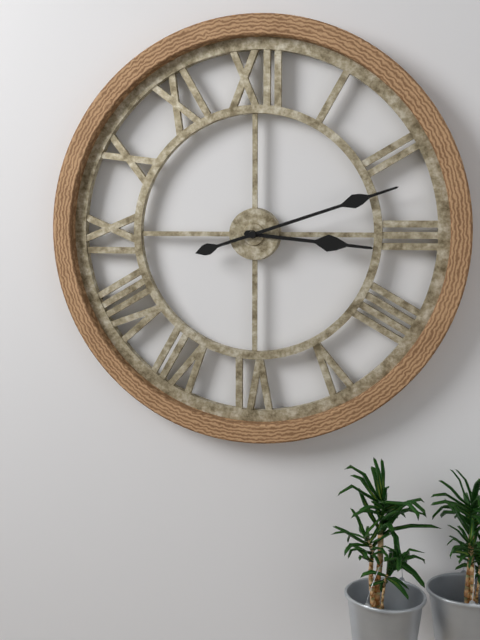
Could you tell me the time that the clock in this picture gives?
3:12
